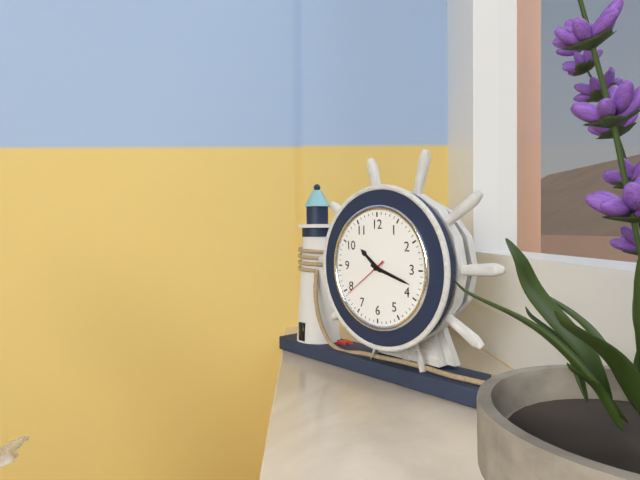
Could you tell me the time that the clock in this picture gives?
10:18
